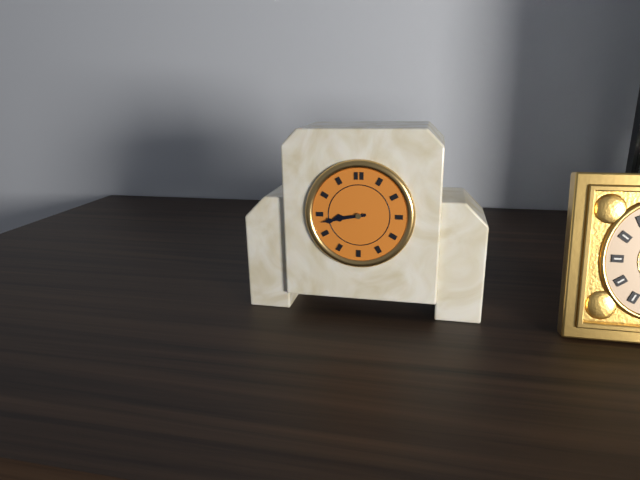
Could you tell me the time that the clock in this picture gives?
8:43
